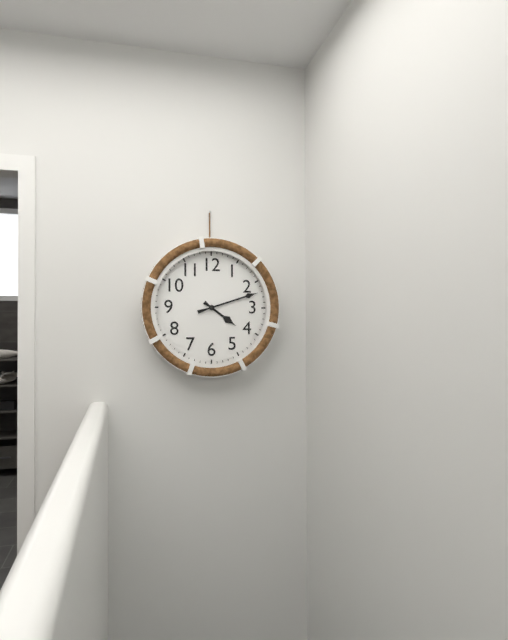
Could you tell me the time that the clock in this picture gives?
4:12
